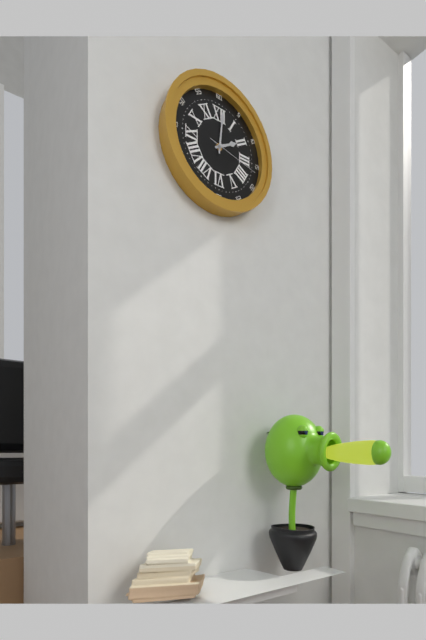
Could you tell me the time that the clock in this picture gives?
2:01:17
